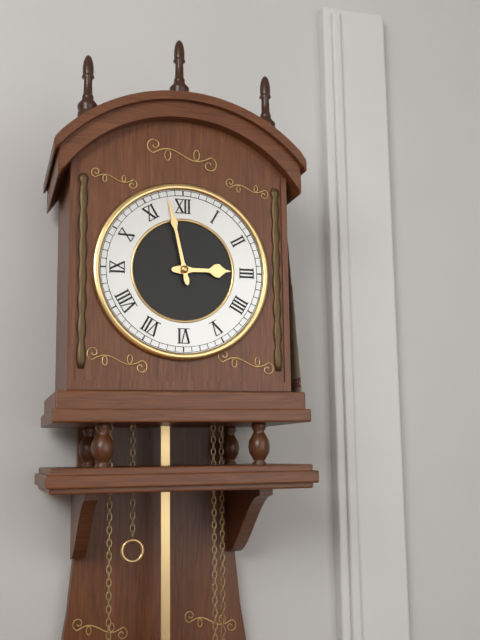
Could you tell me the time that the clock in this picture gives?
2:58
